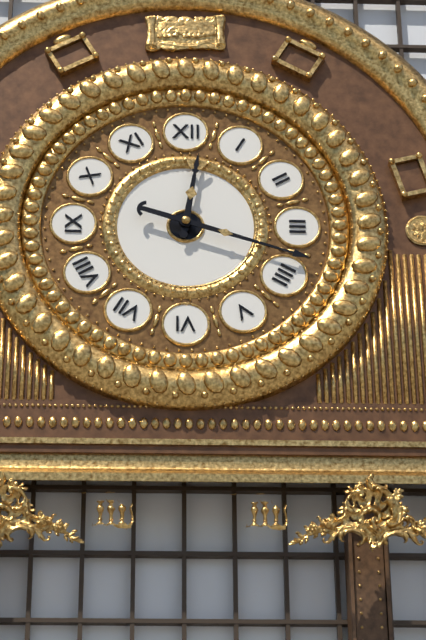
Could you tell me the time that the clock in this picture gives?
12:18
